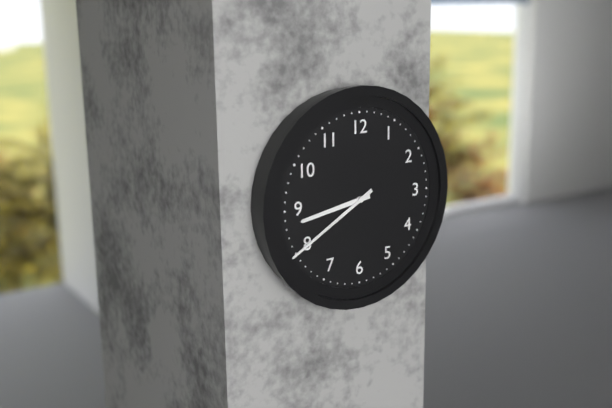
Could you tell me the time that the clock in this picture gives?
8:40
